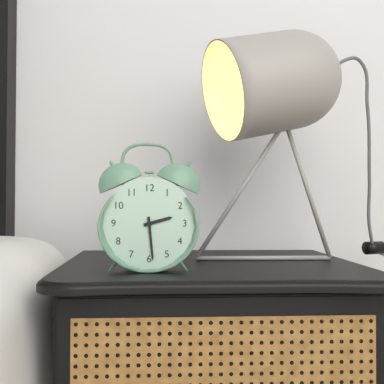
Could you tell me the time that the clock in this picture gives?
2:29
